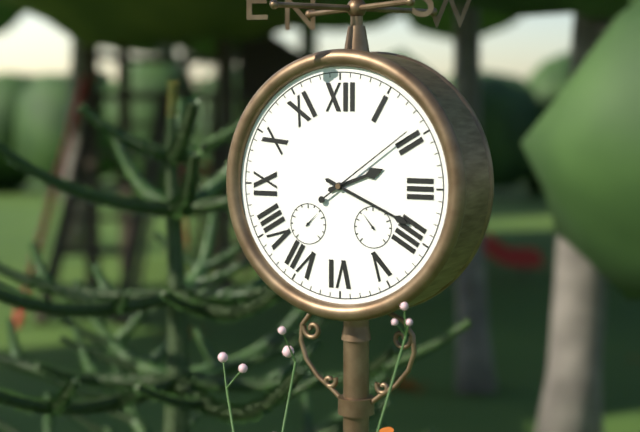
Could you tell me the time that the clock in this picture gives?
2:19:09
